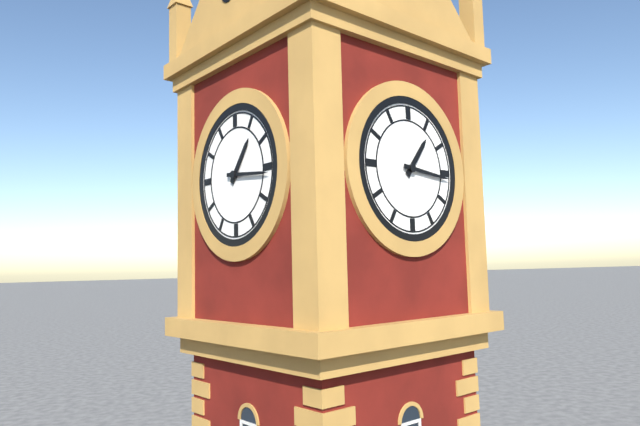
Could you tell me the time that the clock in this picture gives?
1:16
